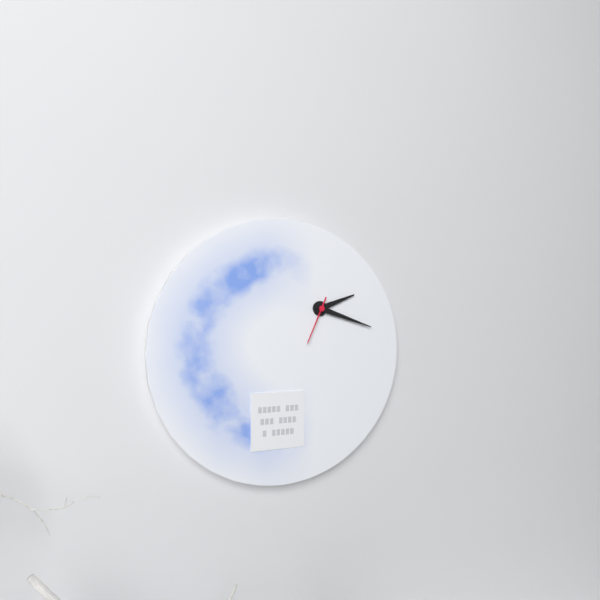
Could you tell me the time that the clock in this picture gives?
2:18
